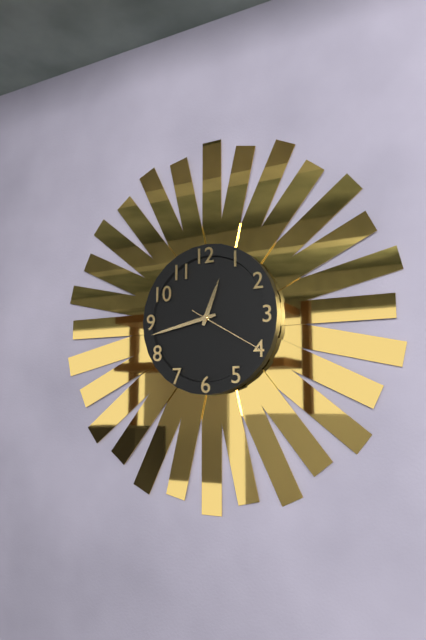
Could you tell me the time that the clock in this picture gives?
12:43:20
